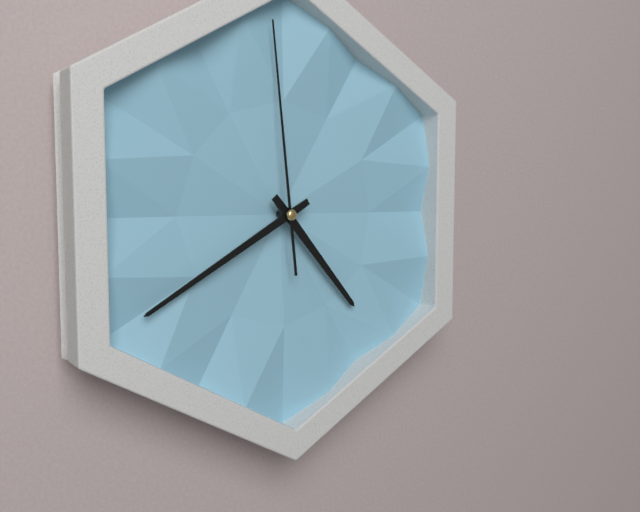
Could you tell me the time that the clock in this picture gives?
4:40:59
